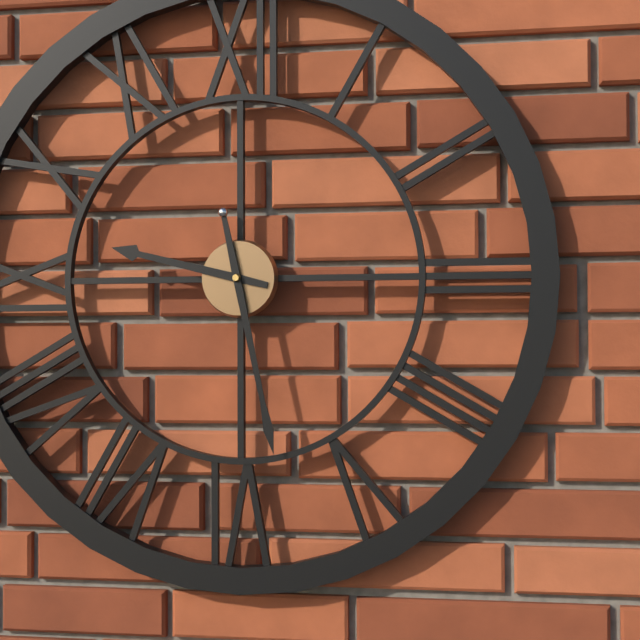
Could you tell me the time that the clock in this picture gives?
9:28
